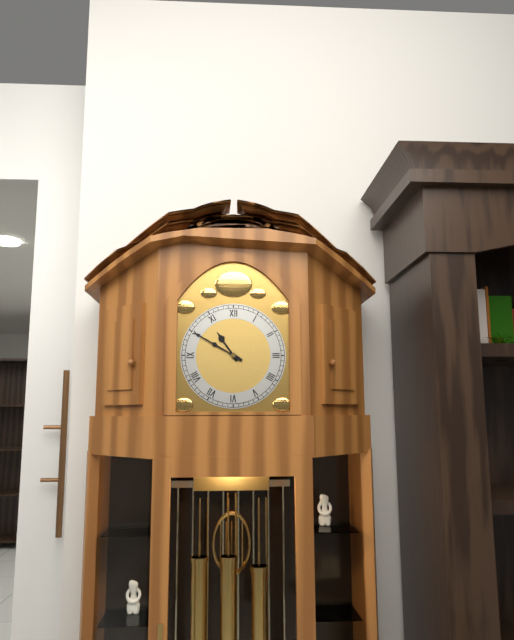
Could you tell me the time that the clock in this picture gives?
10:50
